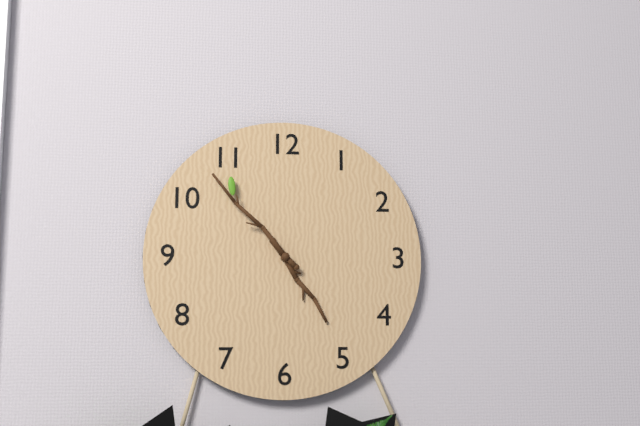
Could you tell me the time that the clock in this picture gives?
4:53
